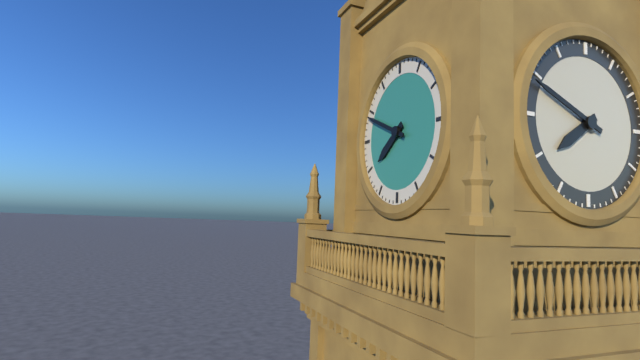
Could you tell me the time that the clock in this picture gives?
7:49
